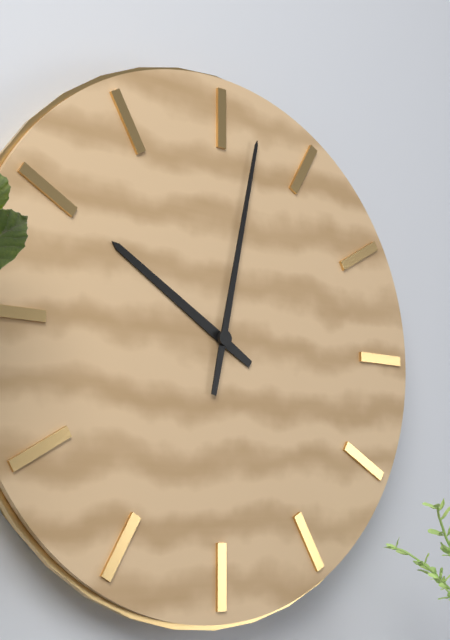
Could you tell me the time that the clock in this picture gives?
10:02
